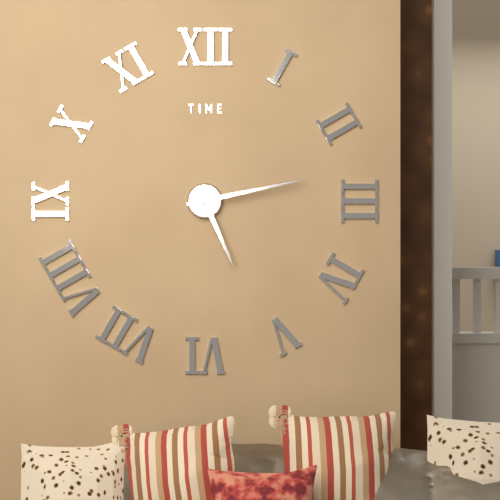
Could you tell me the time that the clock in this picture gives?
5:13
